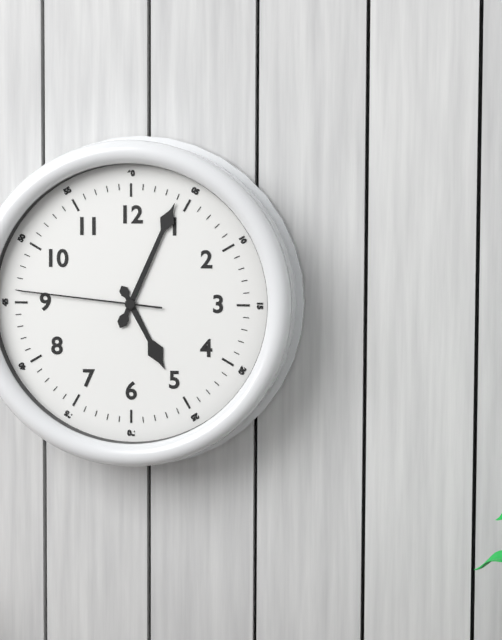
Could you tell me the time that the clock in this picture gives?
5:04:46
